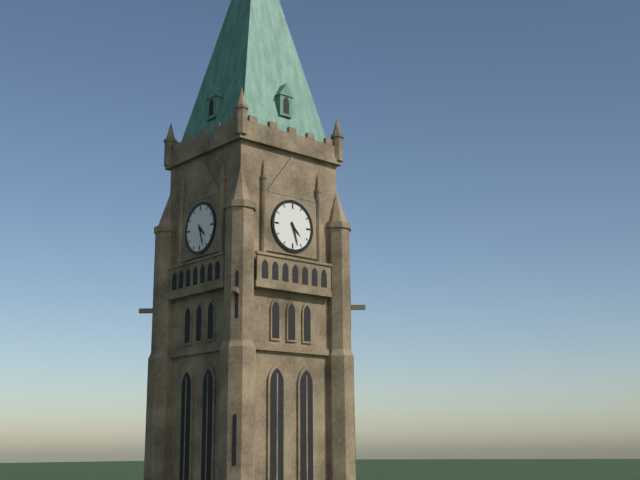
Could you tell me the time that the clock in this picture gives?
4:27
